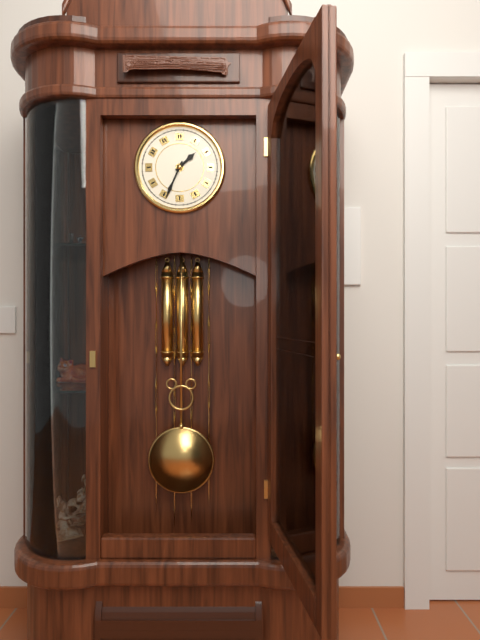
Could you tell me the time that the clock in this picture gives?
1:34
